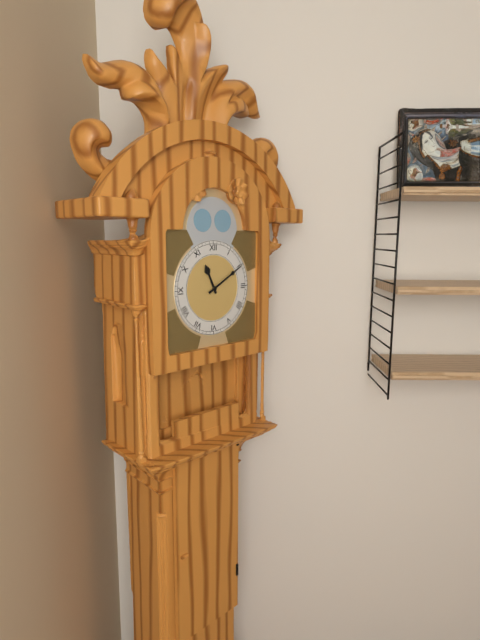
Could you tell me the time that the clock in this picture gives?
11:10
